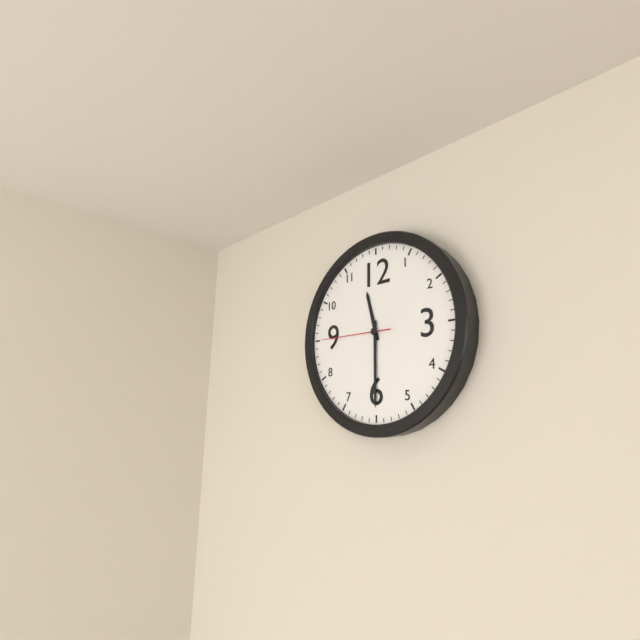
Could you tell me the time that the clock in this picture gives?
11:30:45
